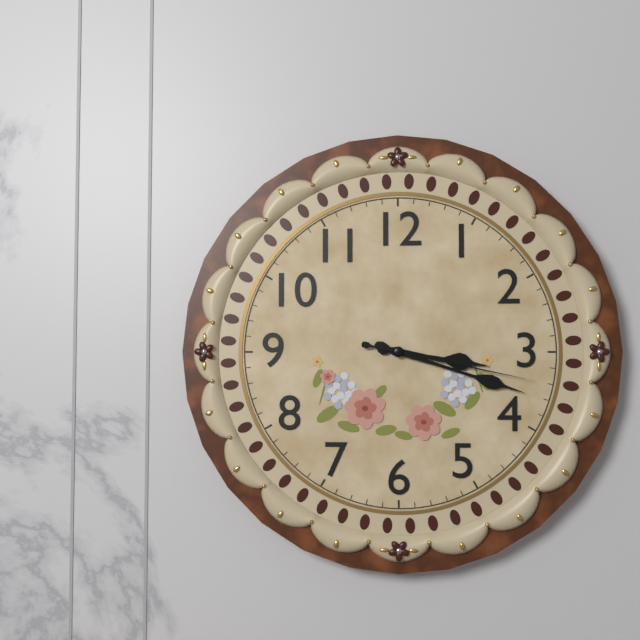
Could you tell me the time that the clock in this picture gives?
3:18:17
